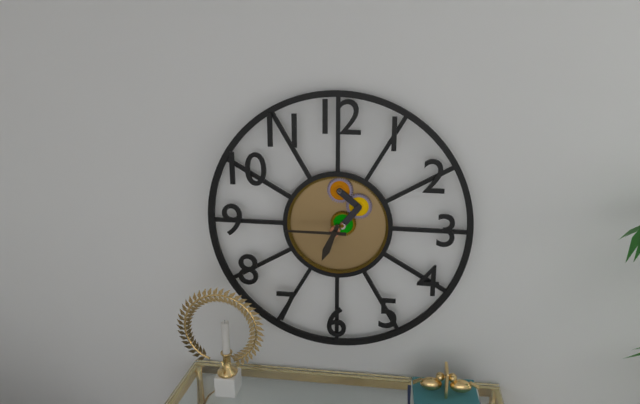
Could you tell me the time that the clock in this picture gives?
6:45
